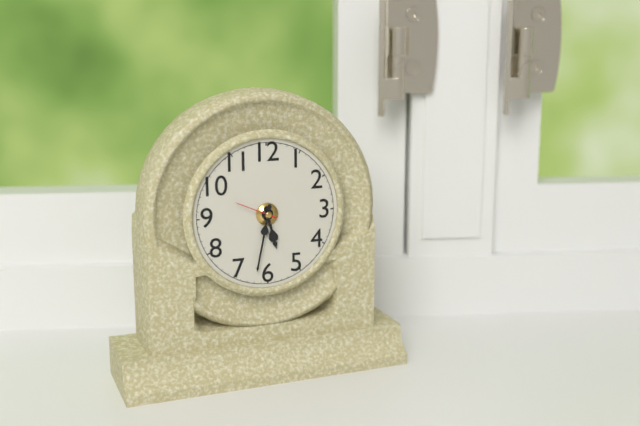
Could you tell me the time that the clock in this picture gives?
5:32
